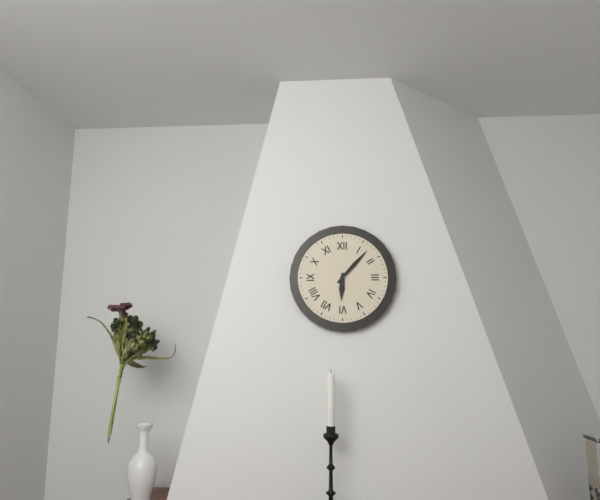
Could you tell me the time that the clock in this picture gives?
6:07
